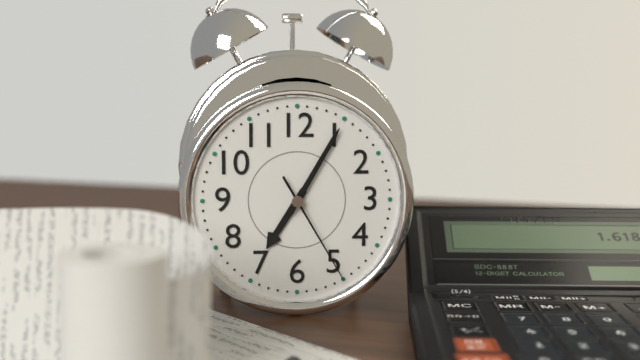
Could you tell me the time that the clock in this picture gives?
7:05:25
